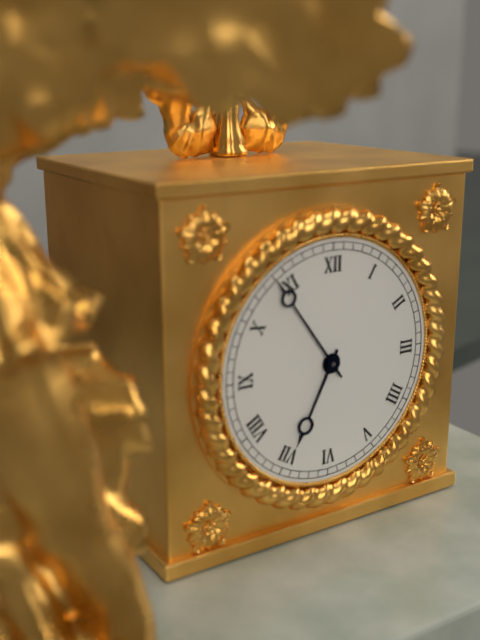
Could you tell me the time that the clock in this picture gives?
6:54
